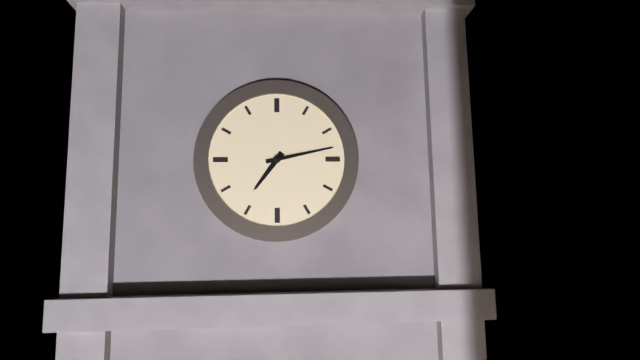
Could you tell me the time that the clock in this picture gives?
7:13
